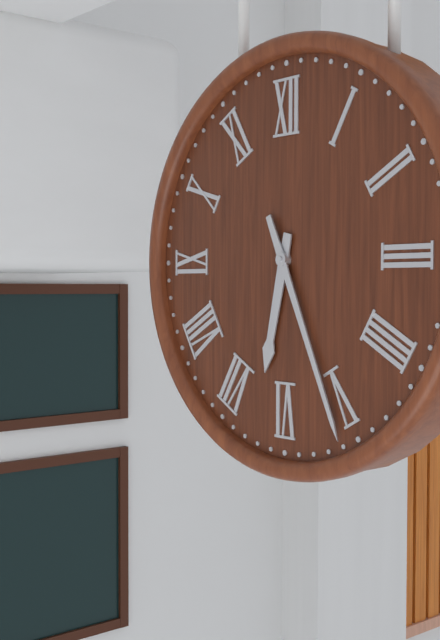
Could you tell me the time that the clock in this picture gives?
6:26
